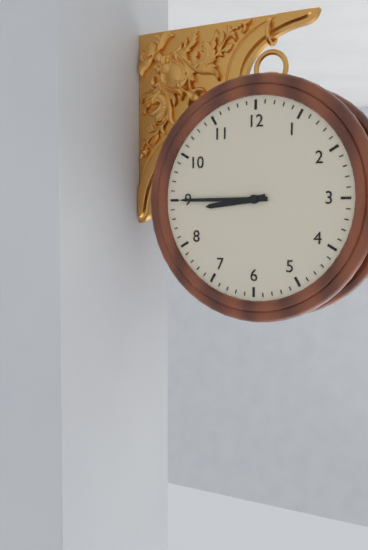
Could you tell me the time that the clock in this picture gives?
8:45
